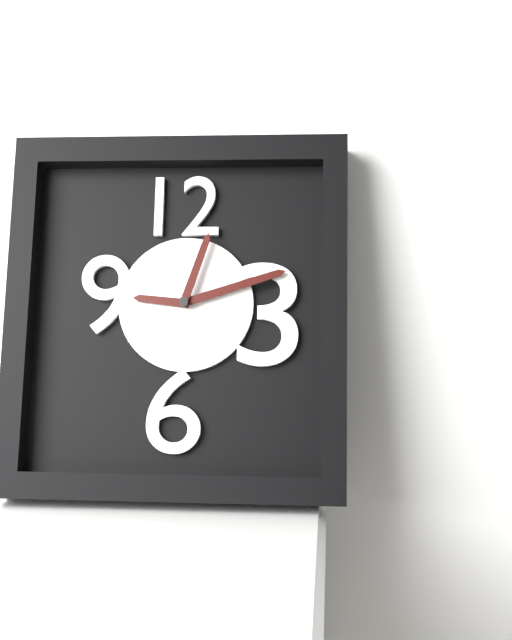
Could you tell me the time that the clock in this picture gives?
9:12:03
